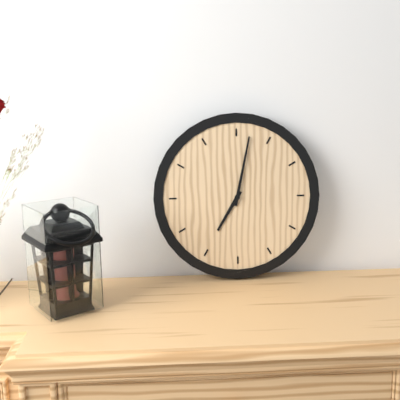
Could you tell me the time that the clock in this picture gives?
7:02
